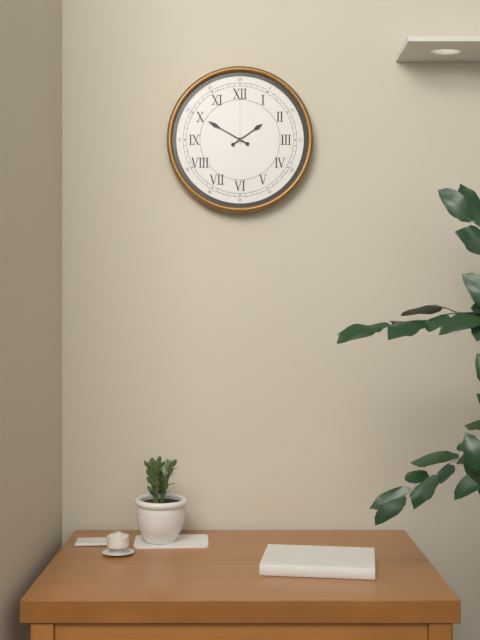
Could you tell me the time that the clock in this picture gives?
1:50:00
